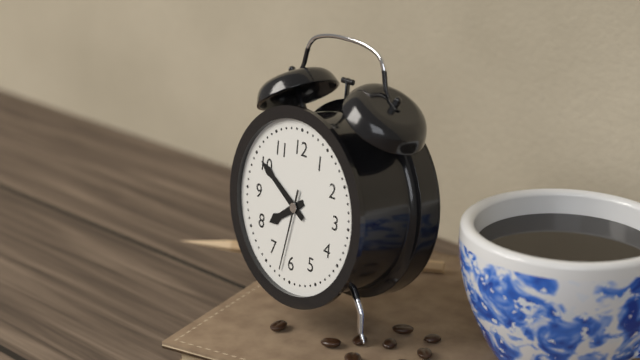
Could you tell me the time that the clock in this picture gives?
7:50:32
